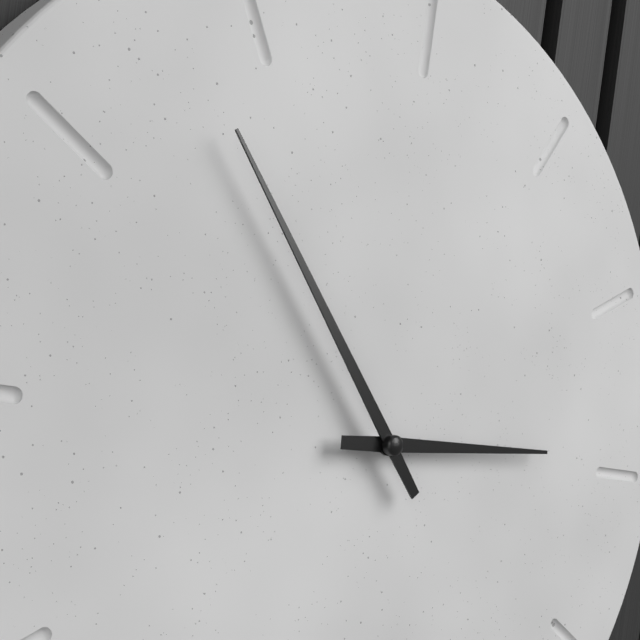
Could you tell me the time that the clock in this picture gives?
2:53
